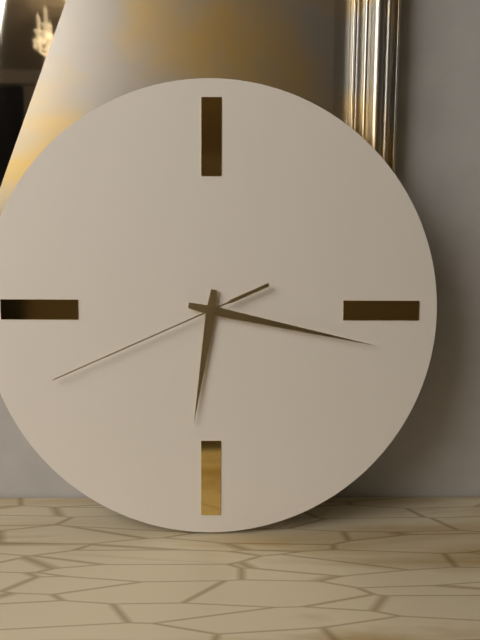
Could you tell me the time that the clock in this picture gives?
6:17:41
